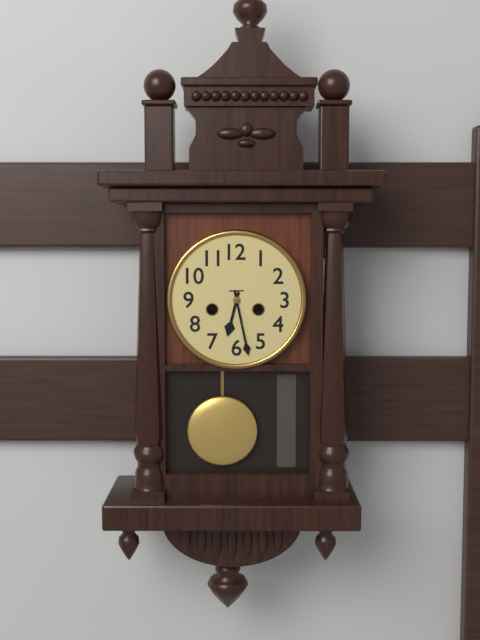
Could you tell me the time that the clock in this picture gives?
6:28
